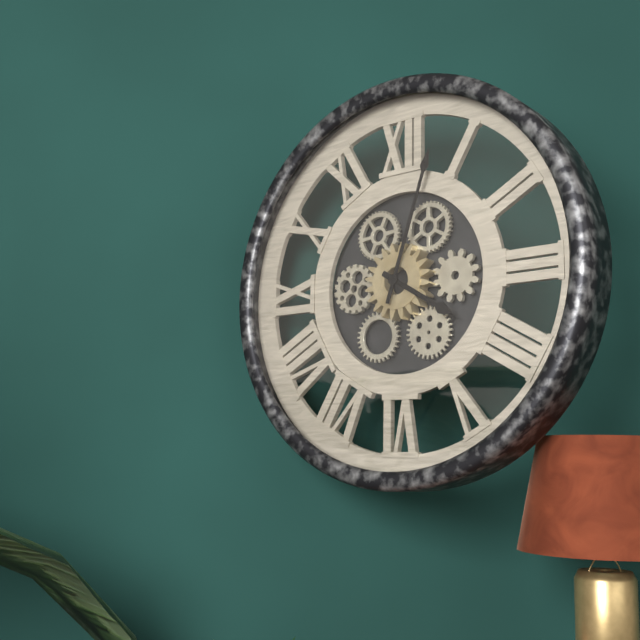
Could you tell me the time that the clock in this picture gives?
4:03
